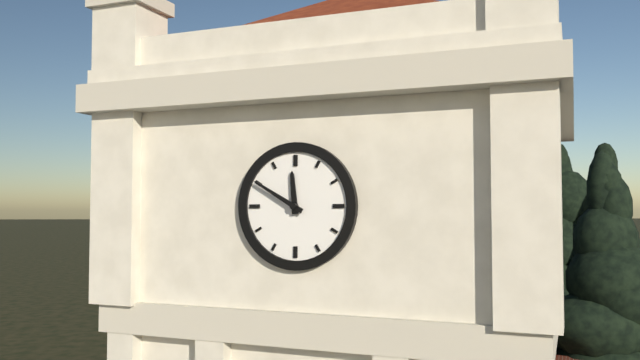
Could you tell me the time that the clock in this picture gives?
11:50
